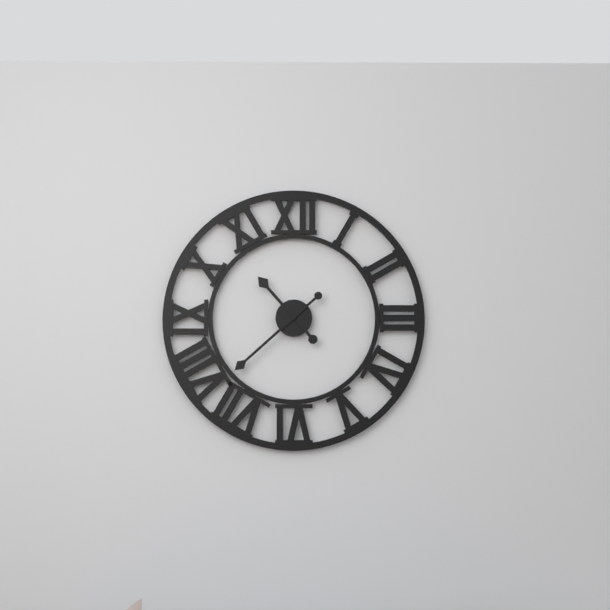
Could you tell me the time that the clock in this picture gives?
10:38
